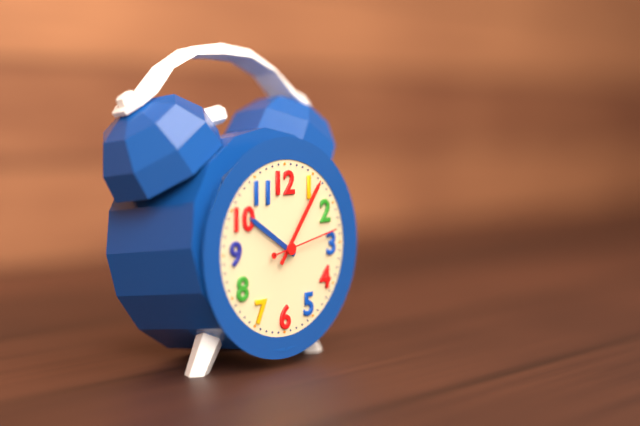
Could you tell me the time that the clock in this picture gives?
10:06:13
